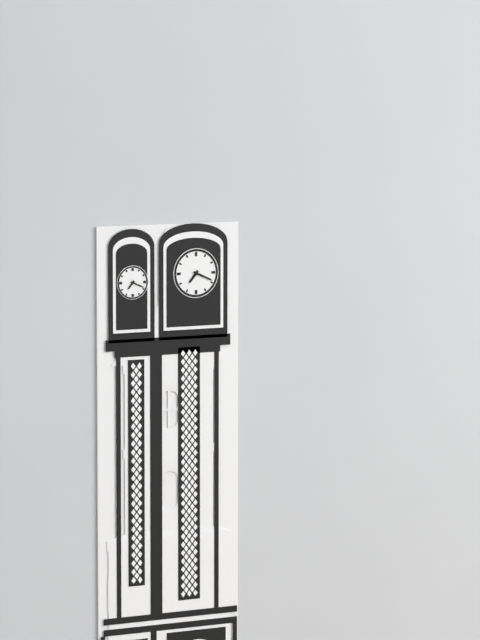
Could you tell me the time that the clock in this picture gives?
7:19
